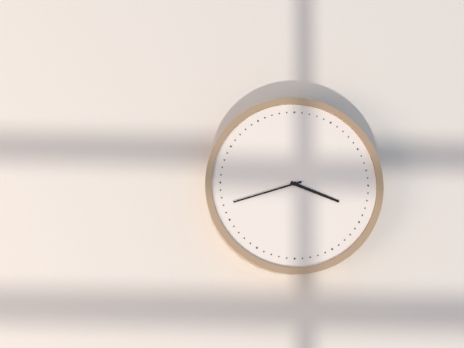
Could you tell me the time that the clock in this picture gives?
3:42
